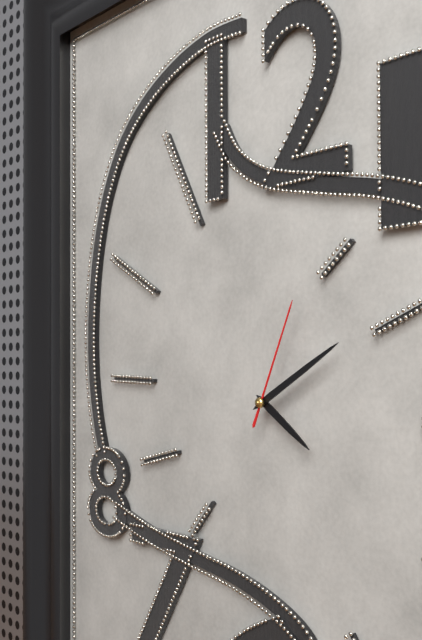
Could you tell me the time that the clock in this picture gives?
4:10:04
